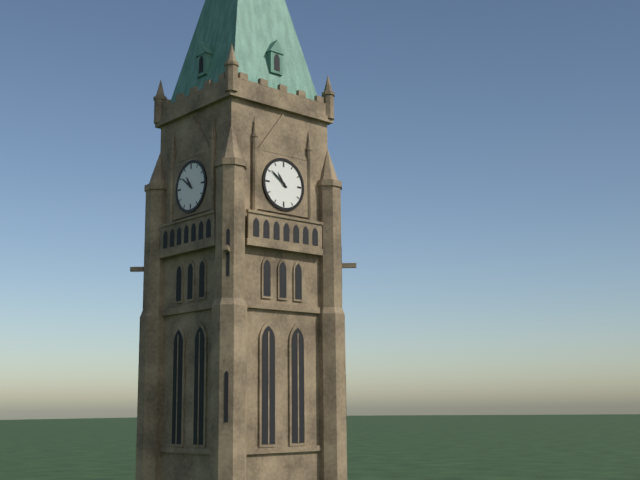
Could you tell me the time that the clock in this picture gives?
10:51
